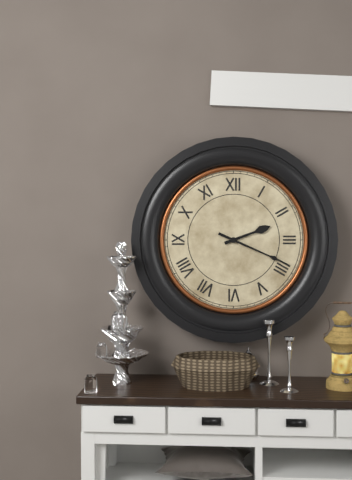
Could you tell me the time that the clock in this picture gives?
2:19
